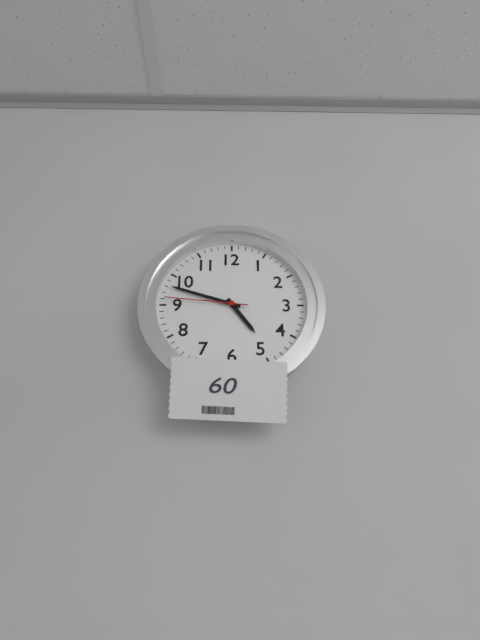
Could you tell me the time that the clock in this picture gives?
4:48:46
